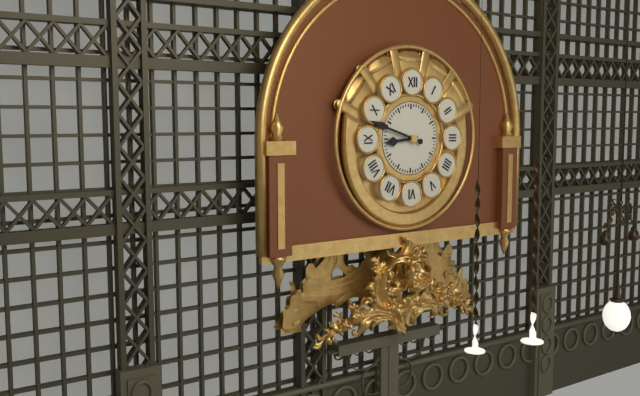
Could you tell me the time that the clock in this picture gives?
8:48
